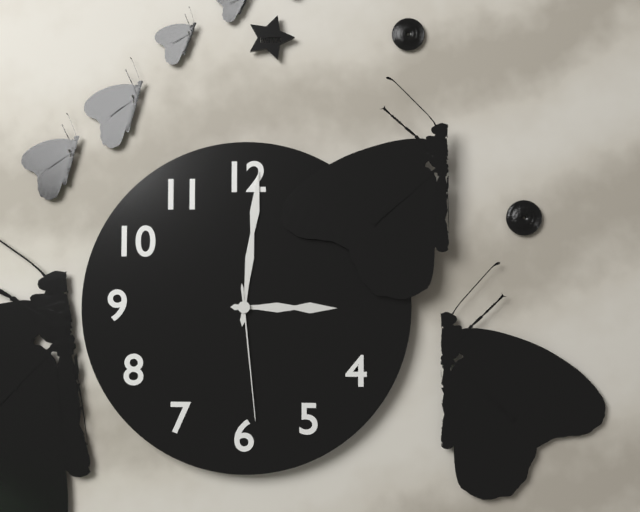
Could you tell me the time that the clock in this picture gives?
3:01:29
